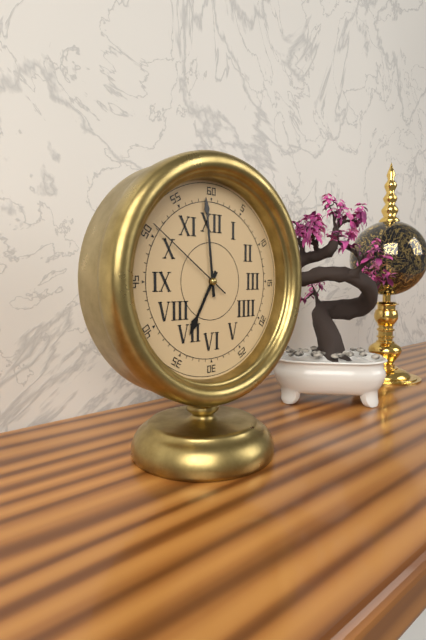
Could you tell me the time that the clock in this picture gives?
6:59:51
